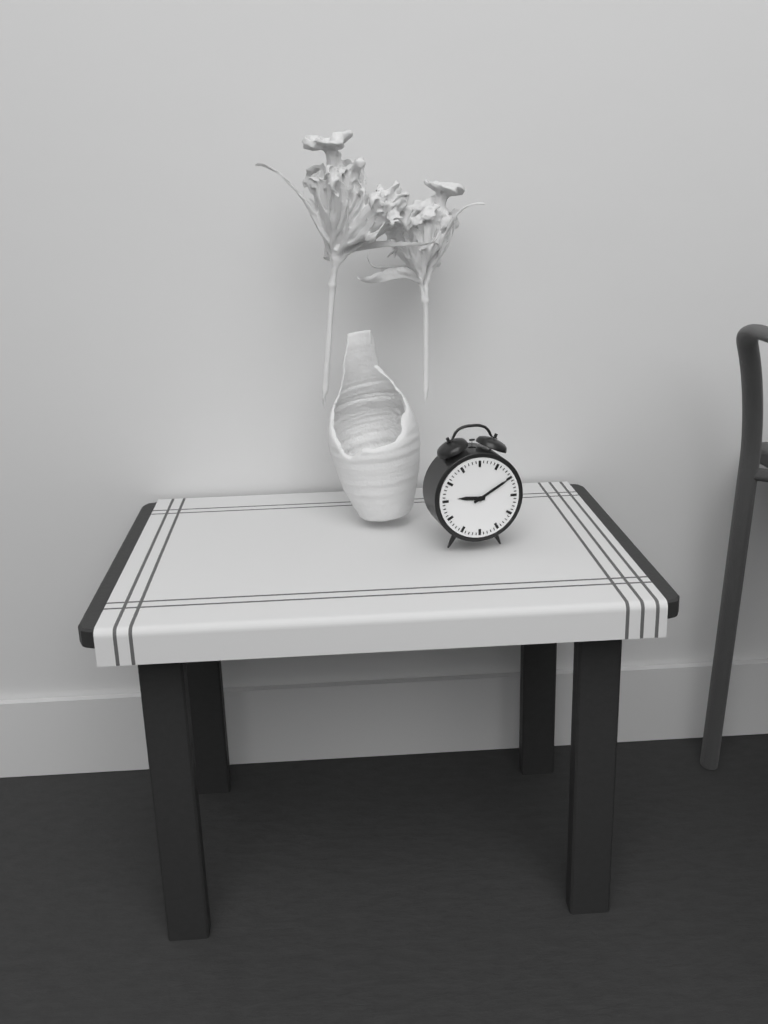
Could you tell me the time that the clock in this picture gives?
9:10
